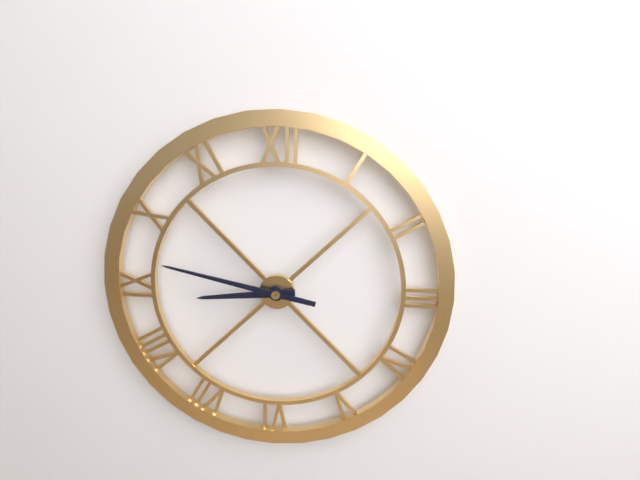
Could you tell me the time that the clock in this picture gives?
8:47
